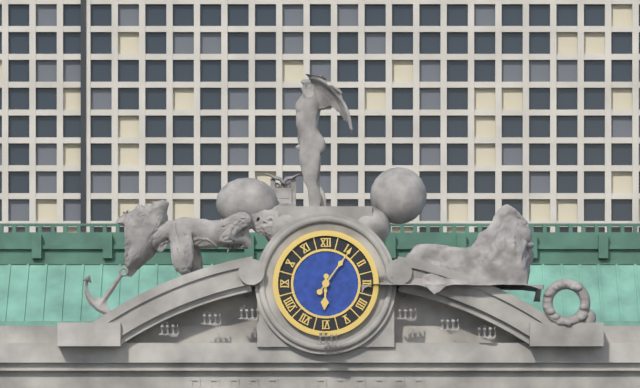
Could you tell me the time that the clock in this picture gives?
6:06
